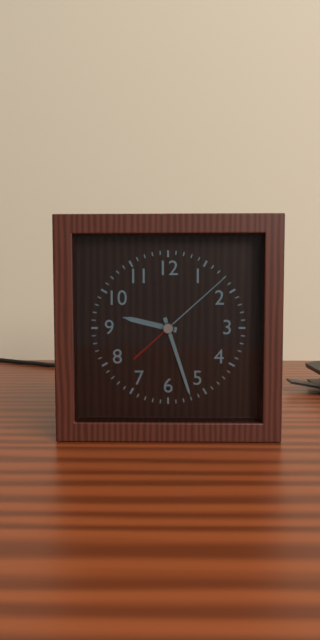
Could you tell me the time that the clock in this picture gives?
9:27:08
